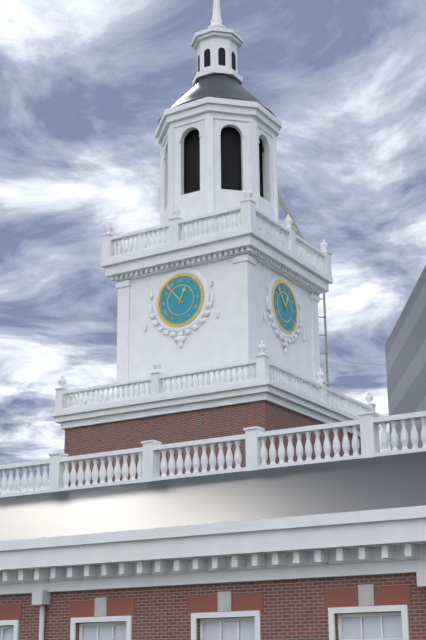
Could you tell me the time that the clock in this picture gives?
12:53
